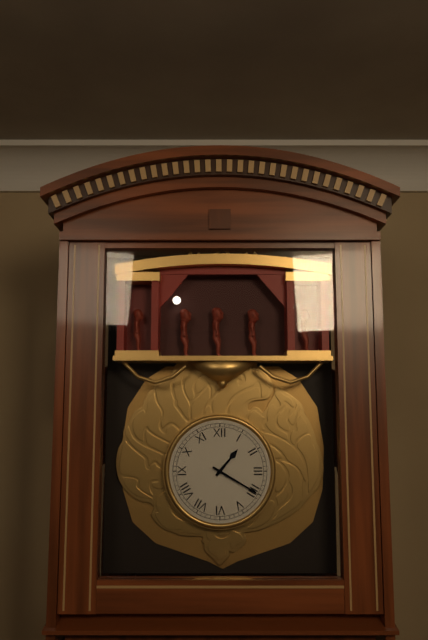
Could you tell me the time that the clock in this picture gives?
1:20
